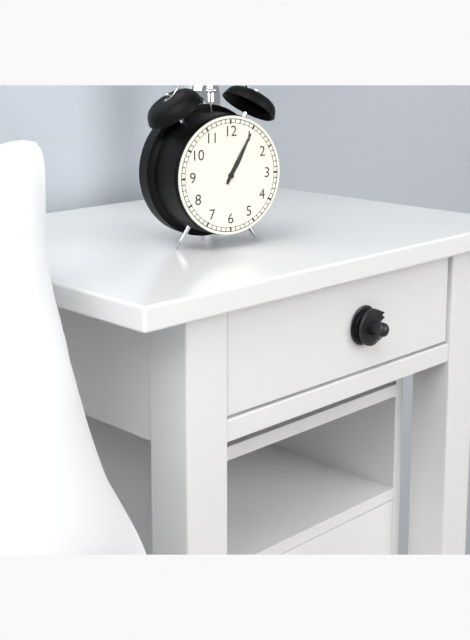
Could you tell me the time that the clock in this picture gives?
1:05
